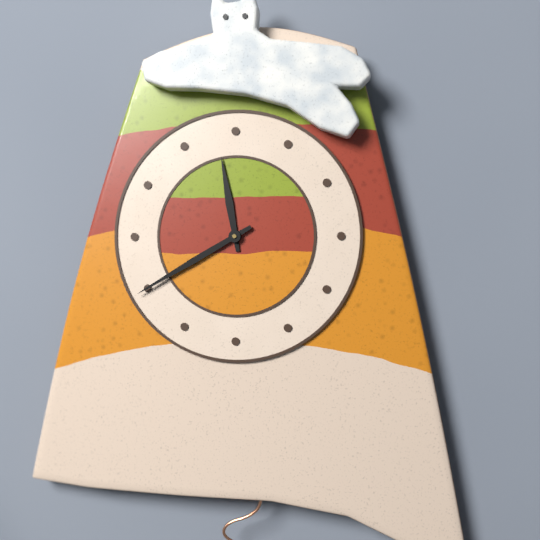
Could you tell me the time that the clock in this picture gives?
11:40
